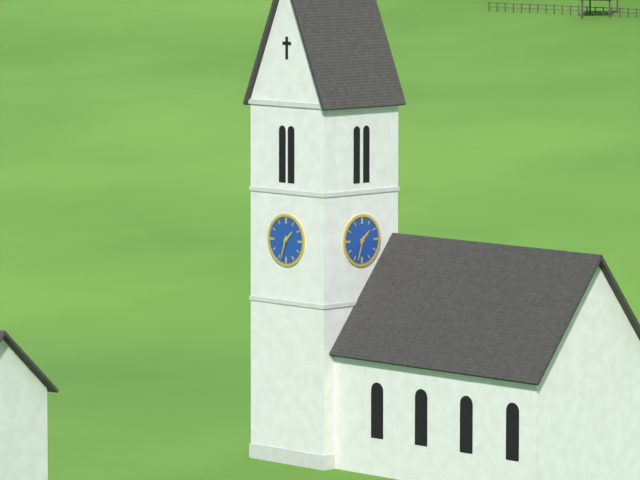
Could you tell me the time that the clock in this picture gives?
1:33
